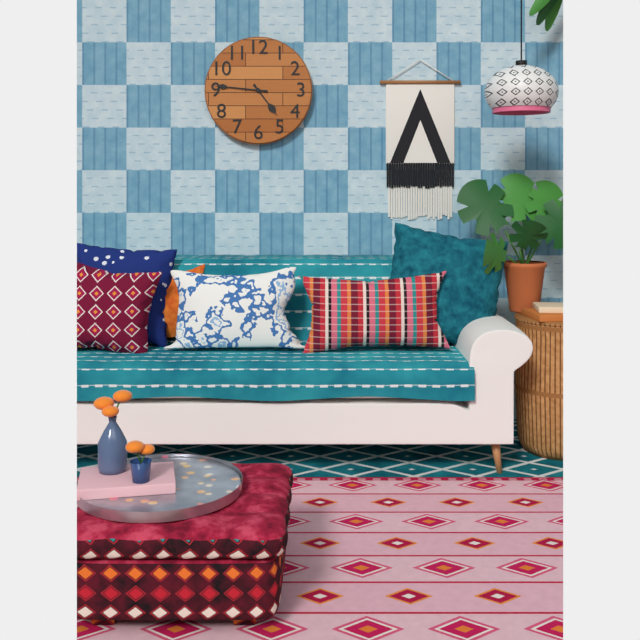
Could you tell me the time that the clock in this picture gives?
4:46
